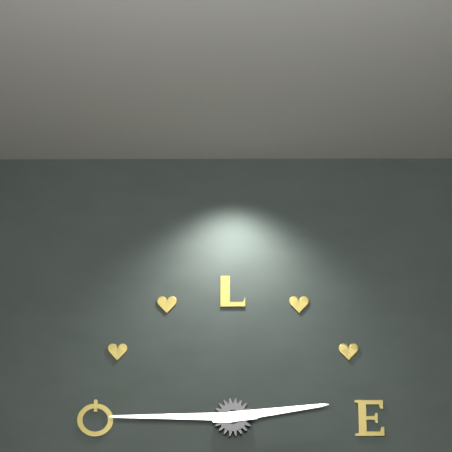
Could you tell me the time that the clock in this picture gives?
2:45
